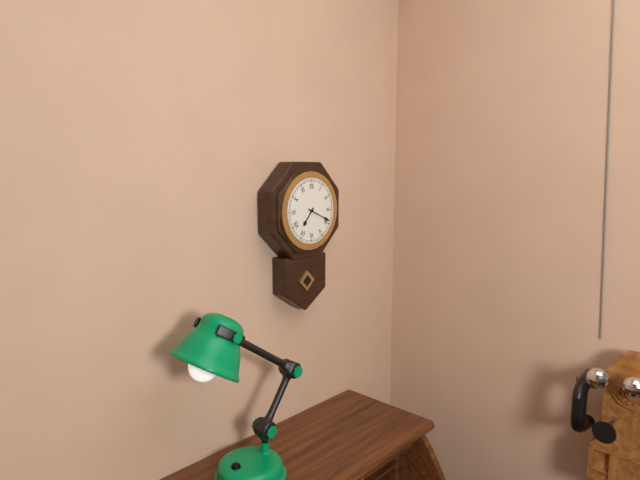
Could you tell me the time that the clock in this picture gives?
7:19
